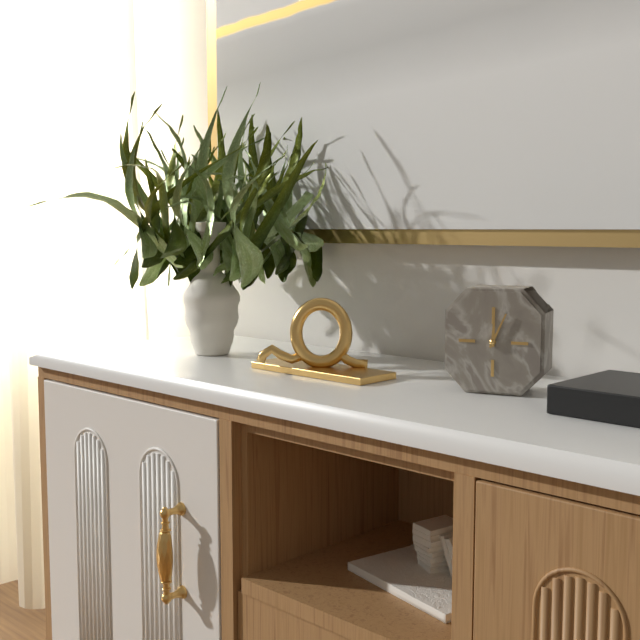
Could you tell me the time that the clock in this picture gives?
12:04
